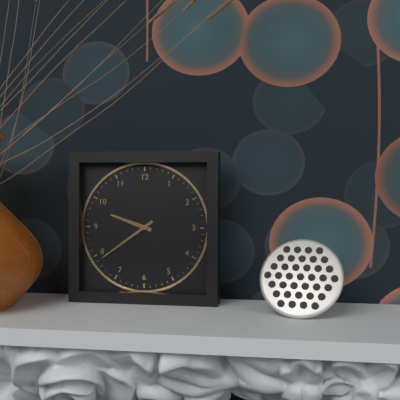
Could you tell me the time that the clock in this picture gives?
9:39
